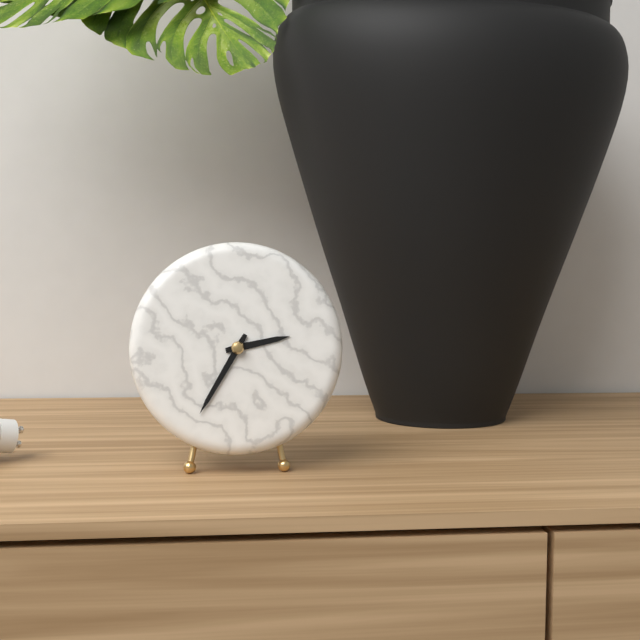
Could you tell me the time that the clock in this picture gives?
2:35
